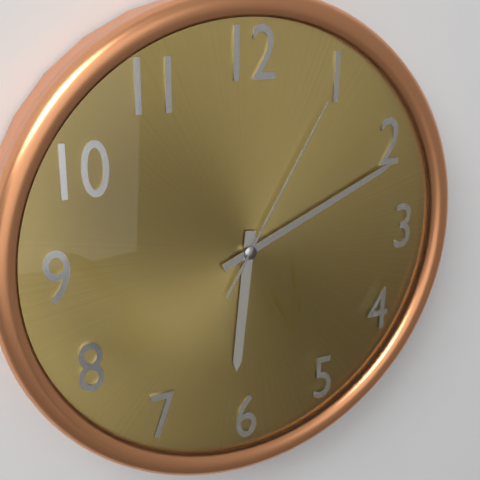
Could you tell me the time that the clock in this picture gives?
6:11:05
